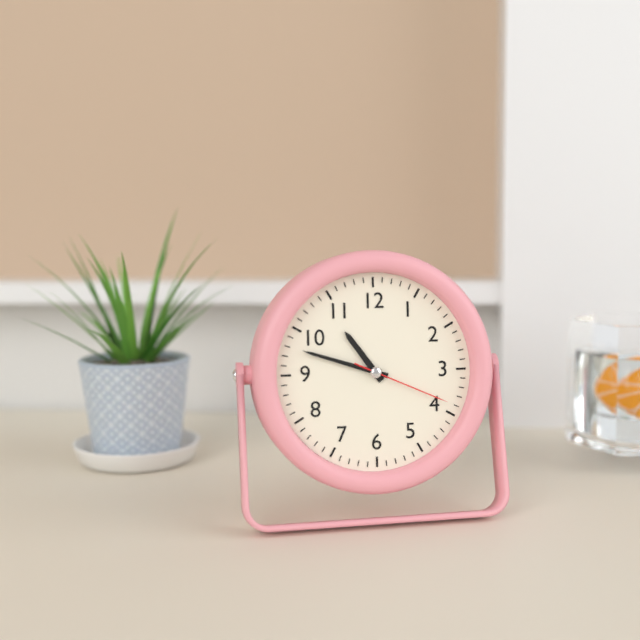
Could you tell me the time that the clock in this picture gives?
10:48:19
